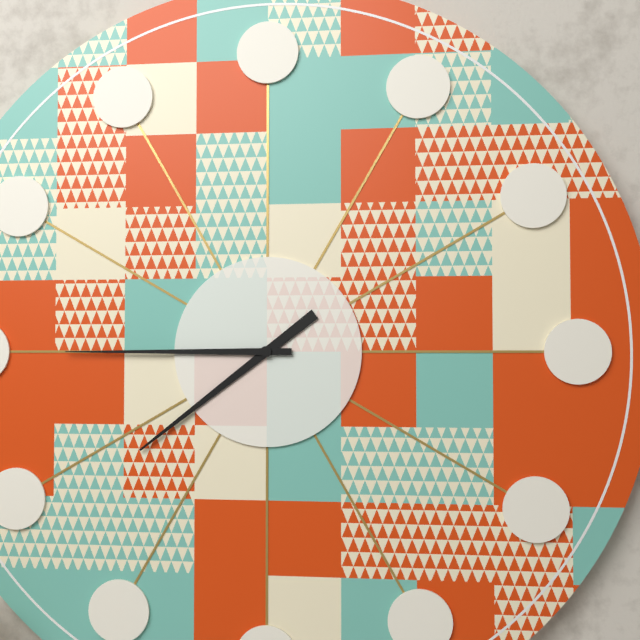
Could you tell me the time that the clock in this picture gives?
7:45
